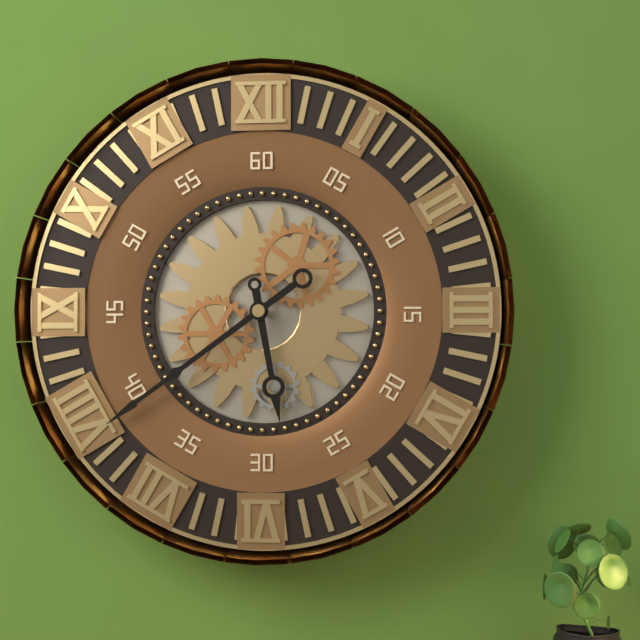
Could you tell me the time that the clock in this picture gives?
5:39
